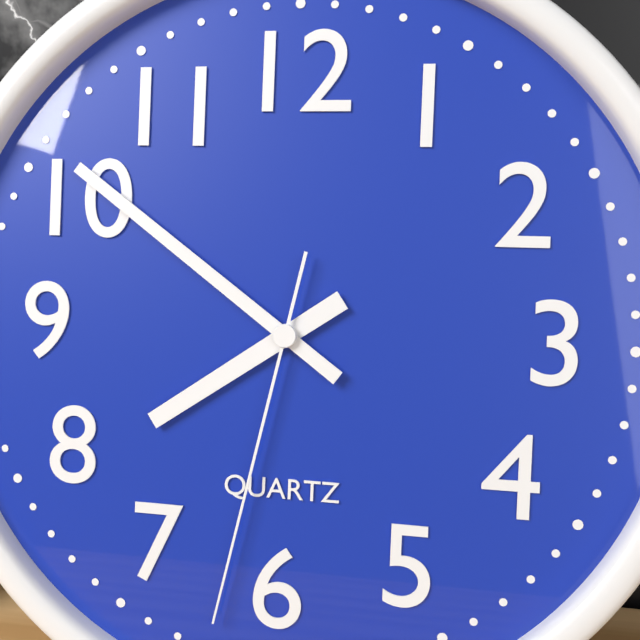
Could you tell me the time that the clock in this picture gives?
7:51:32
